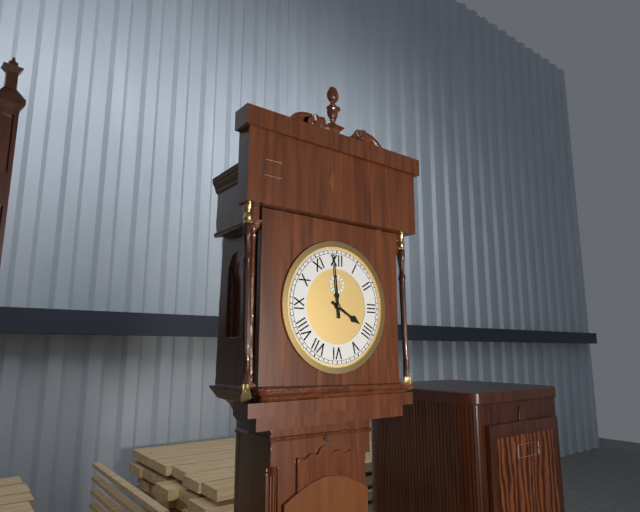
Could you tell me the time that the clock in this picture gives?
3:59
